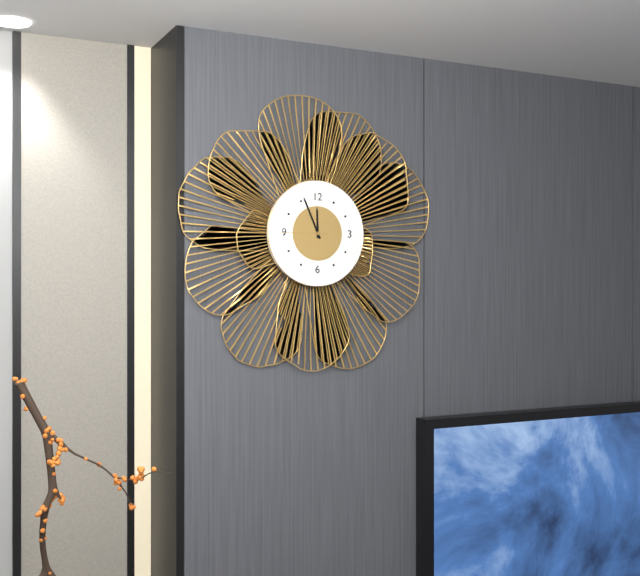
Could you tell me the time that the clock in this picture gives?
11:56
